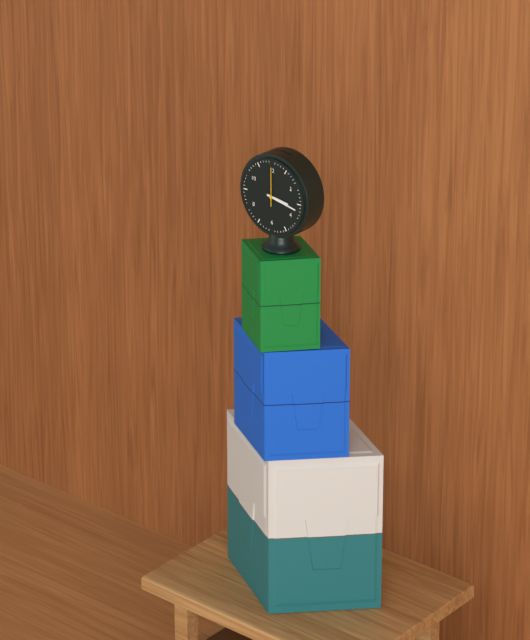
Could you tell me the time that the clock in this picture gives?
3:17
